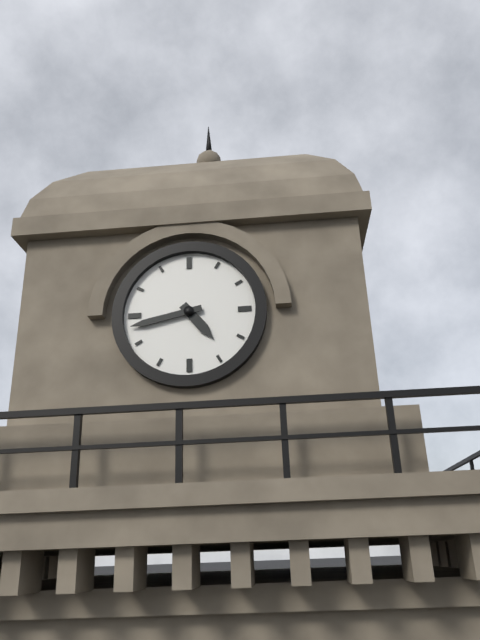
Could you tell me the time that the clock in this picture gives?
4:43
